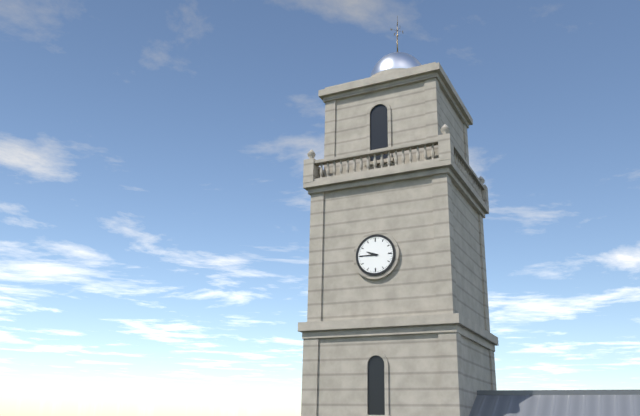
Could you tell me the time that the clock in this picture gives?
9:45
